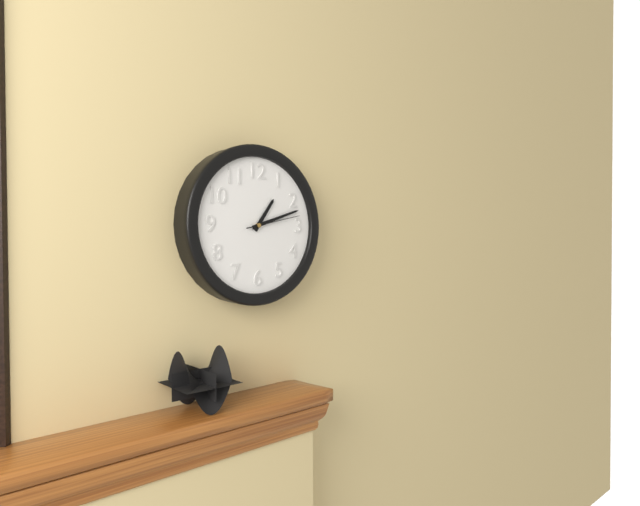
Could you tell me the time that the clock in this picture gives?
1:12:13
